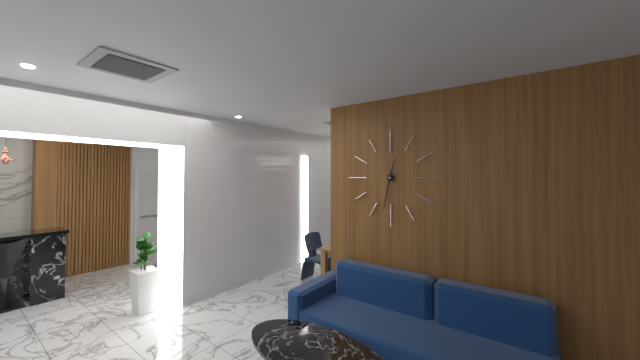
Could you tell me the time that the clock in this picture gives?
12:32
